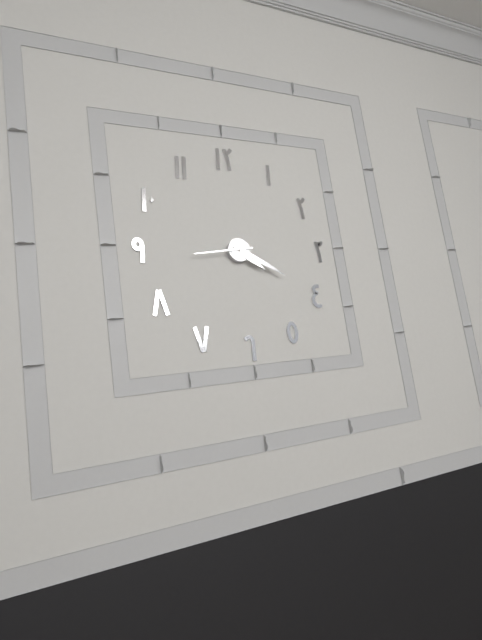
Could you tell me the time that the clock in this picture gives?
4:20:44
